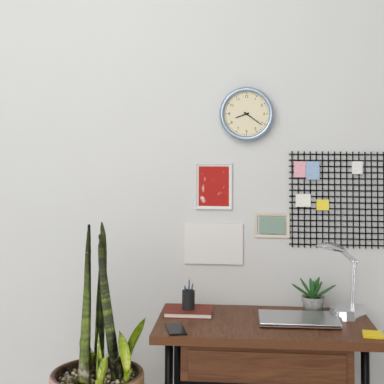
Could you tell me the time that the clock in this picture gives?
8:21
